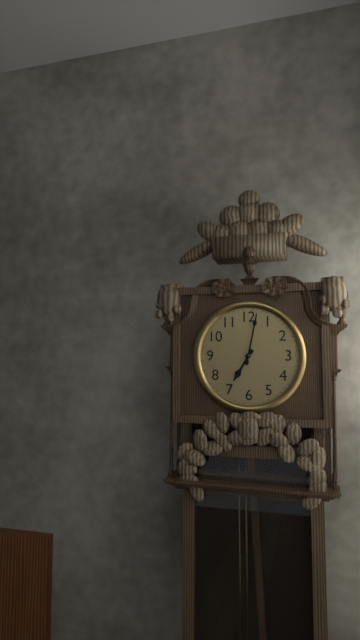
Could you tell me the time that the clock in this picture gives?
7:02
